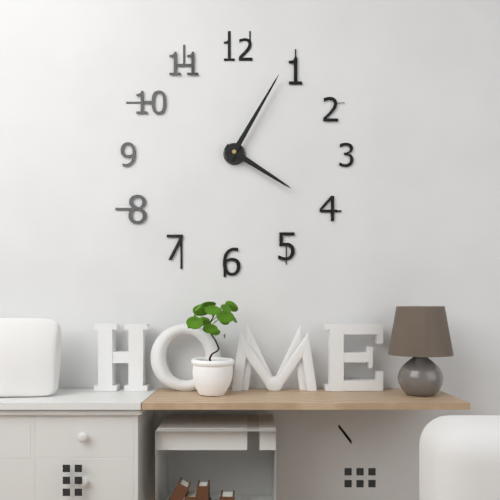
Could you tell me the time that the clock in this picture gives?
4:05
